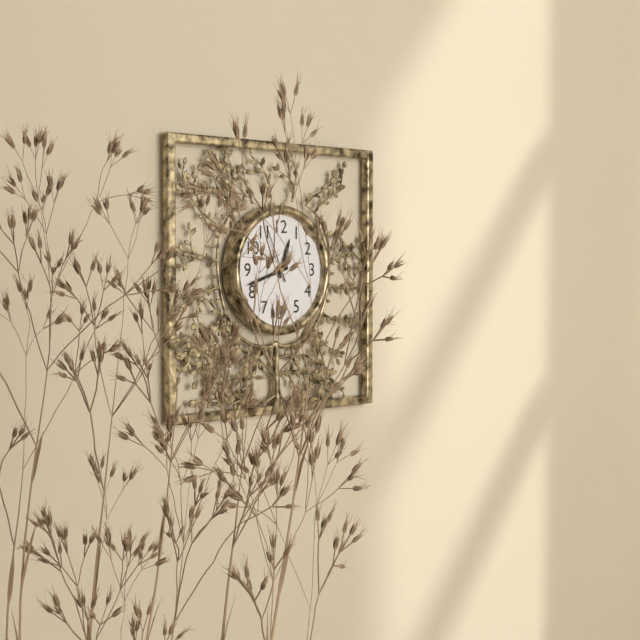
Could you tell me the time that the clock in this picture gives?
12:42:56
